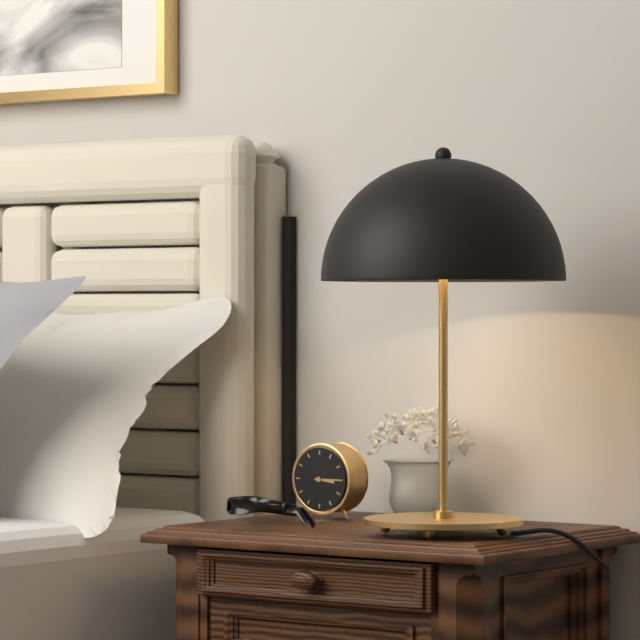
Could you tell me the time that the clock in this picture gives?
3:15
